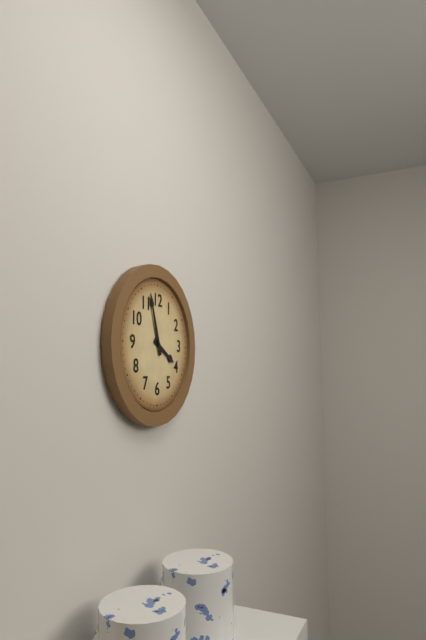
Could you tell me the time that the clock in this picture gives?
3:57
